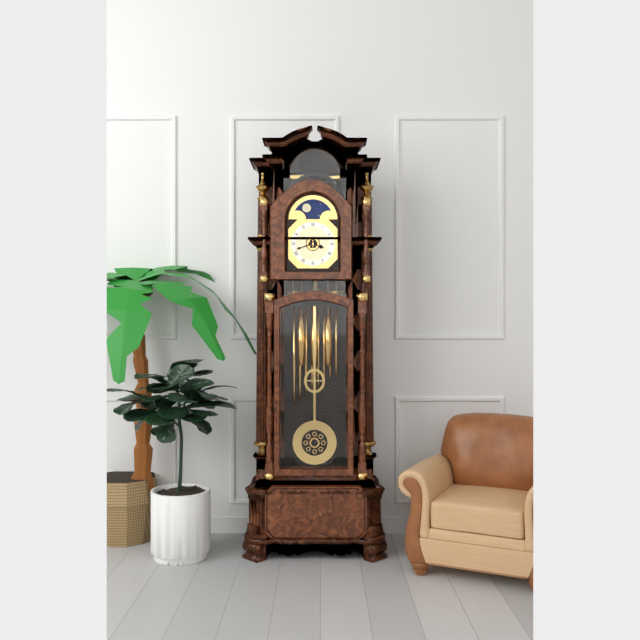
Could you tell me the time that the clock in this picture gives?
3:42
